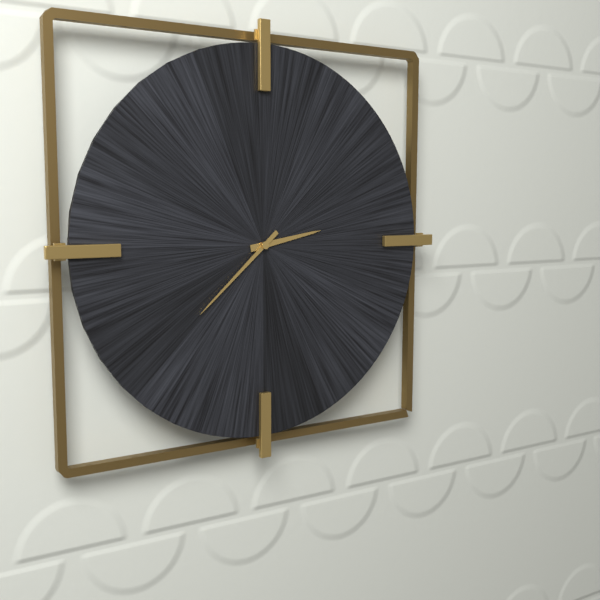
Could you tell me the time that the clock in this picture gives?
2:38
